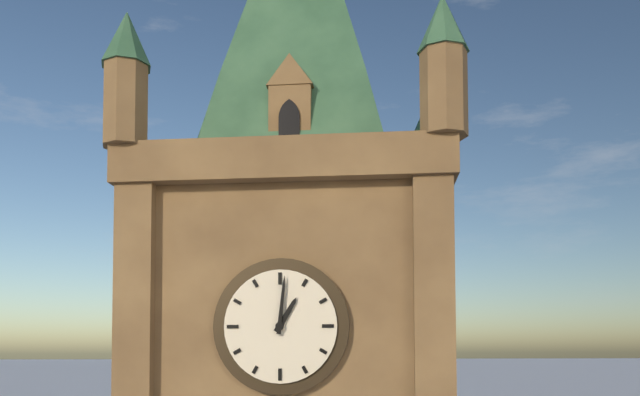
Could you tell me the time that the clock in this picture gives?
1:01
